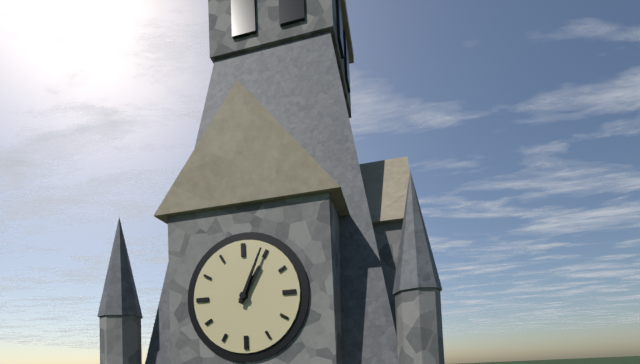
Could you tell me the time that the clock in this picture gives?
1:04
